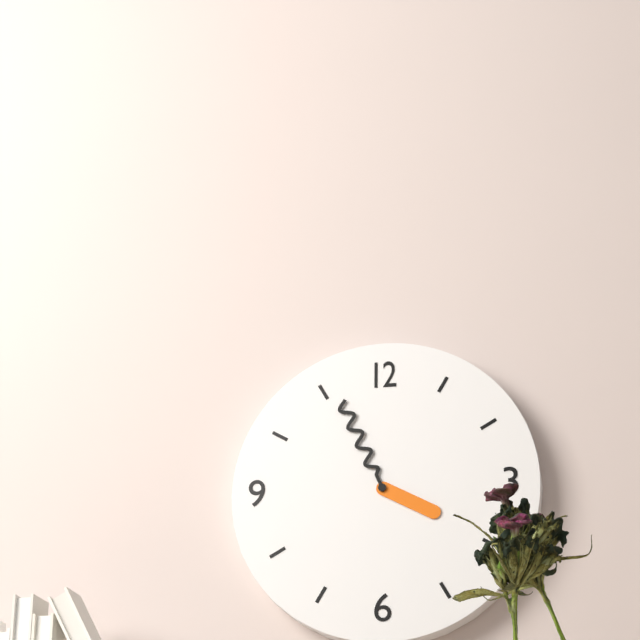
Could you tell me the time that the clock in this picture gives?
3:56
